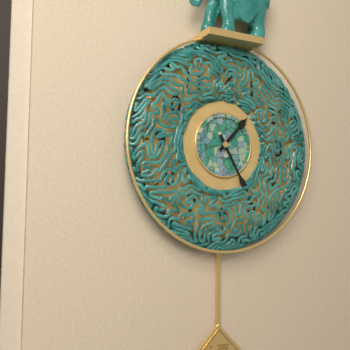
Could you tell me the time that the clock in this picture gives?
1:25
